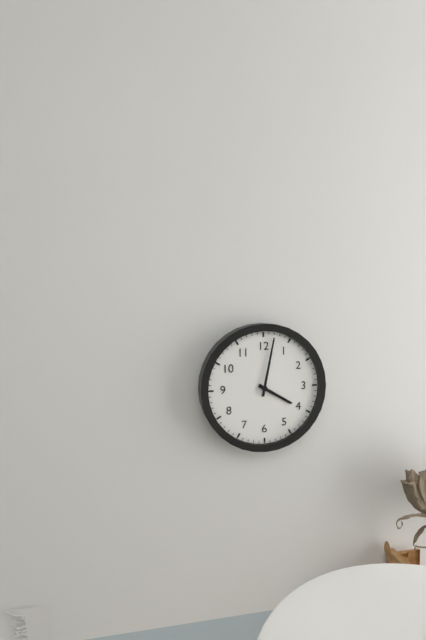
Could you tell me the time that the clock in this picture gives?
4:02
